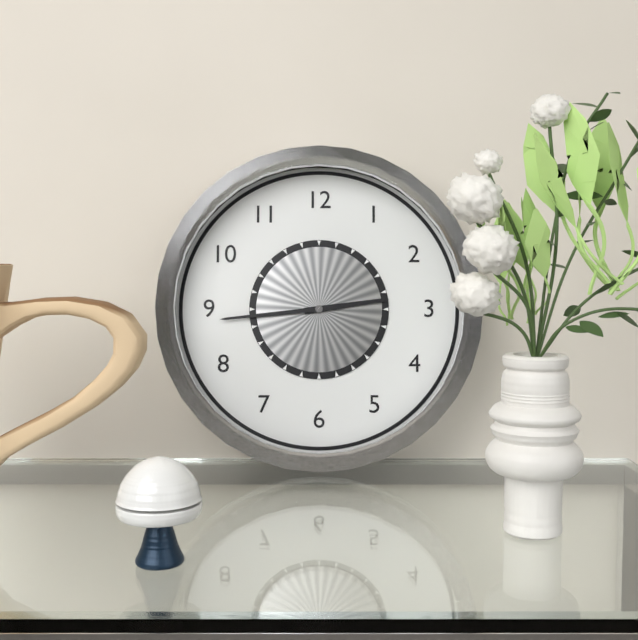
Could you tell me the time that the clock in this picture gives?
2:44
